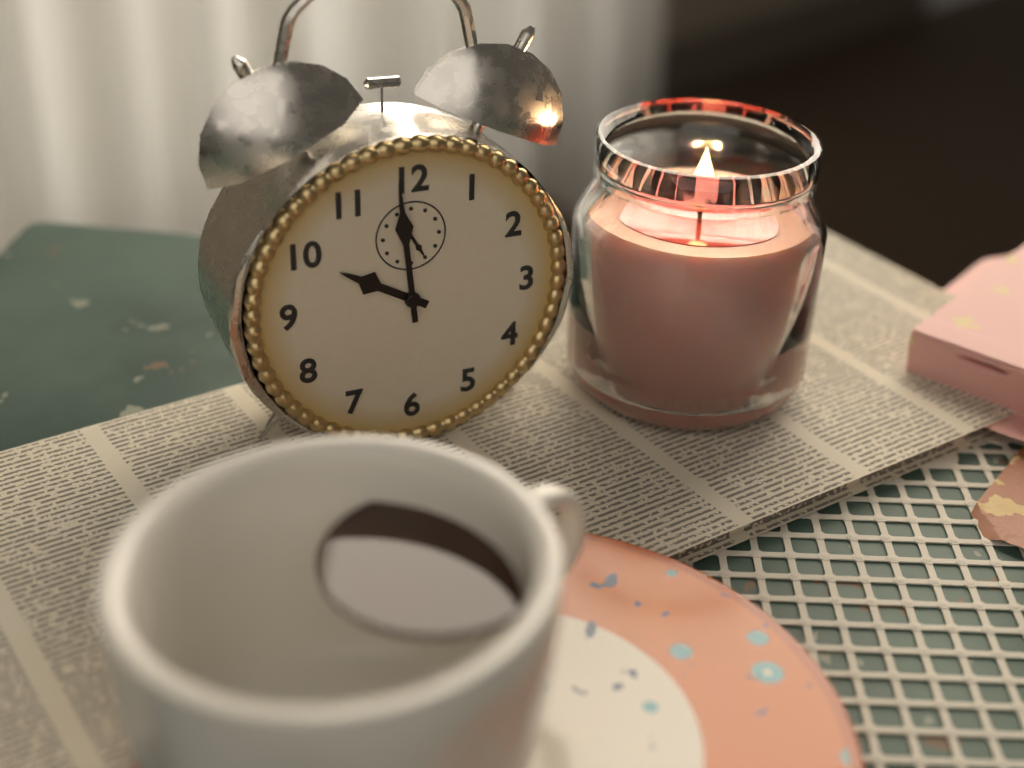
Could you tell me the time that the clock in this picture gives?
9:59
